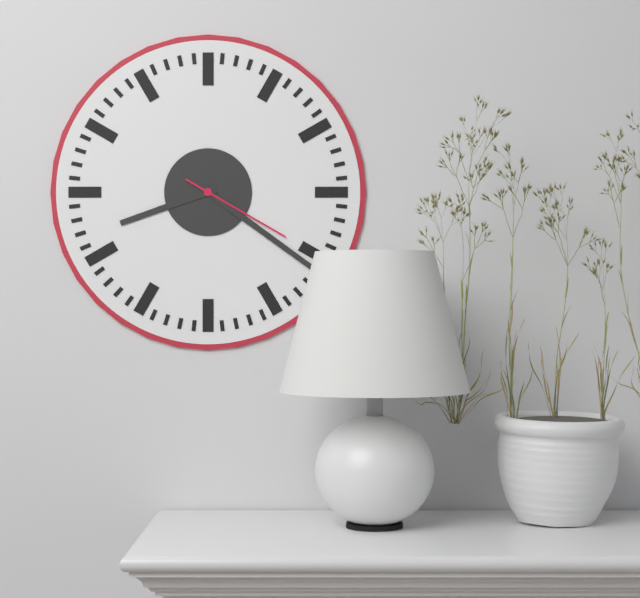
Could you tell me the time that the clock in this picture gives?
8:21:20
